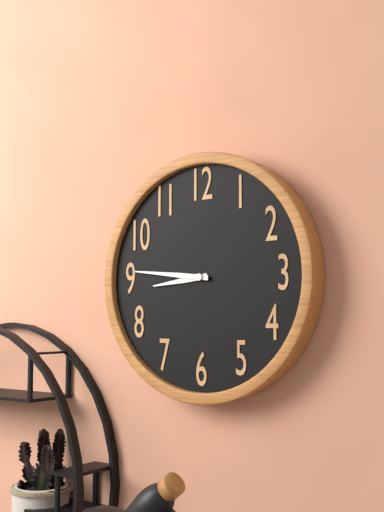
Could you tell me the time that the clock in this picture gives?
8:46
